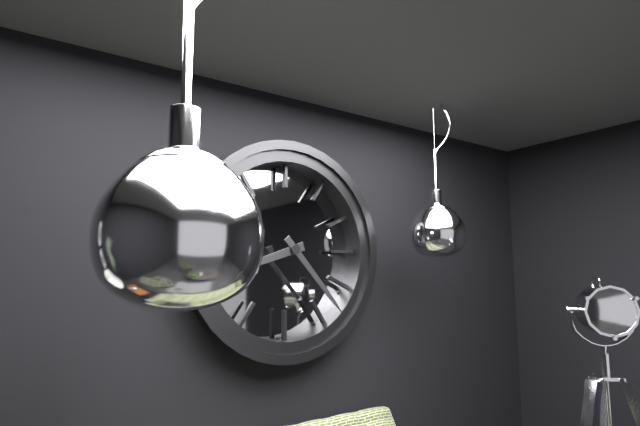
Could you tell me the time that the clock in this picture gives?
8:23
